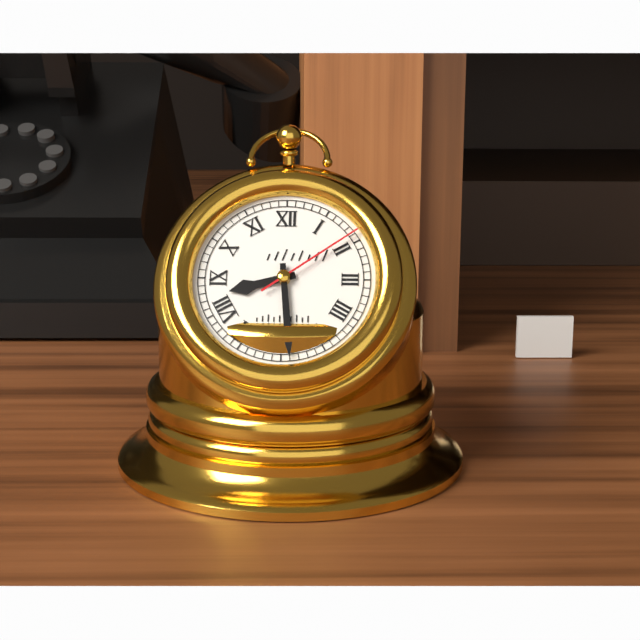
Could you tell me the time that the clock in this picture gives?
8:29:09
